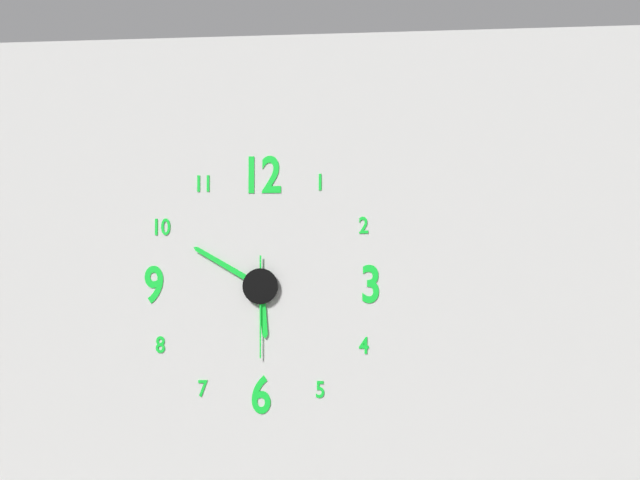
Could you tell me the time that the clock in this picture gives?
5:50:30
